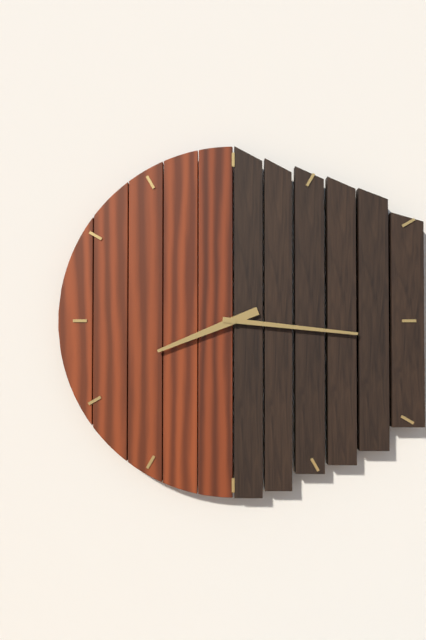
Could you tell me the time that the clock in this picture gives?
8:16
